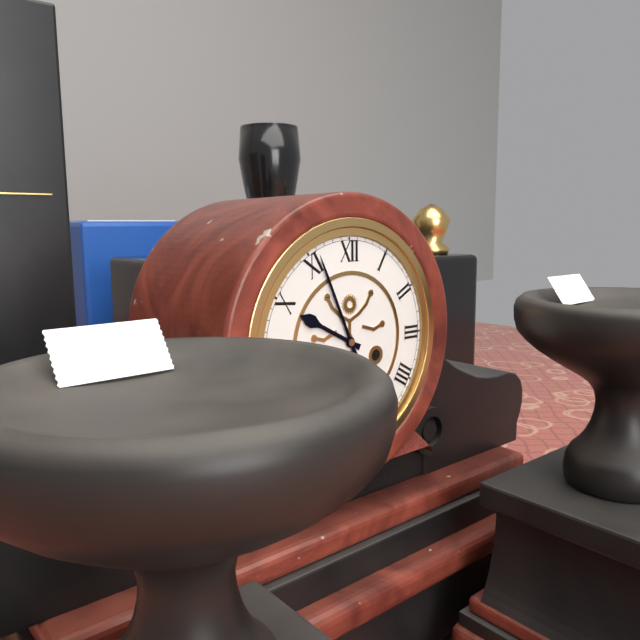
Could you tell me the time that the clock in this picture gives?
9:56
